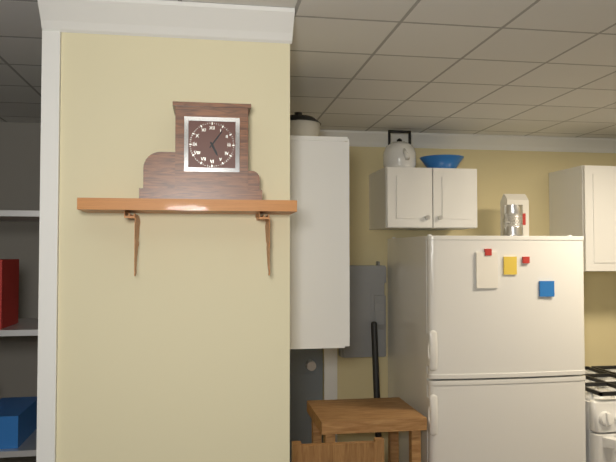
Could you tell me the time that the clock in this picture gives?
5:06
